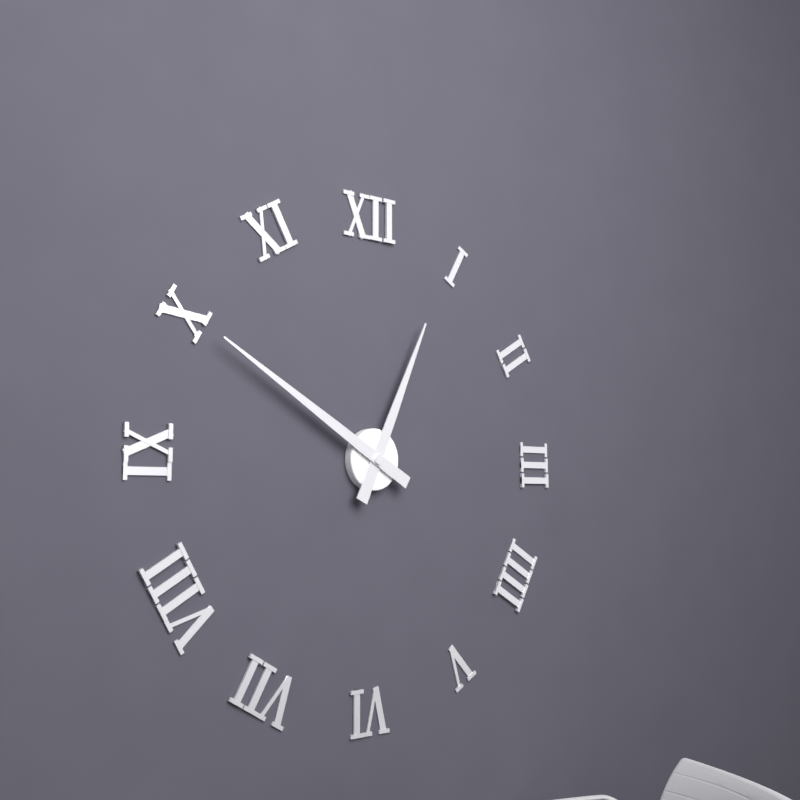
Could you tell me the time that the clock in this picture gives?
12:50
